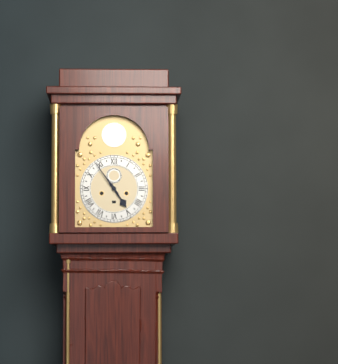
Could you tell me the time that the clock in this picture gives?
4:54
